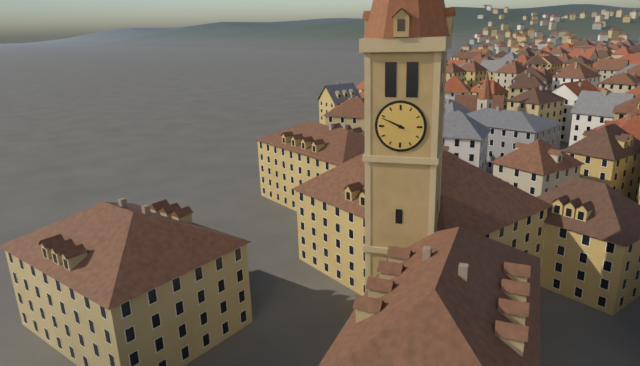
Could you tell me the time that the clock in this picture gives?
9:49
